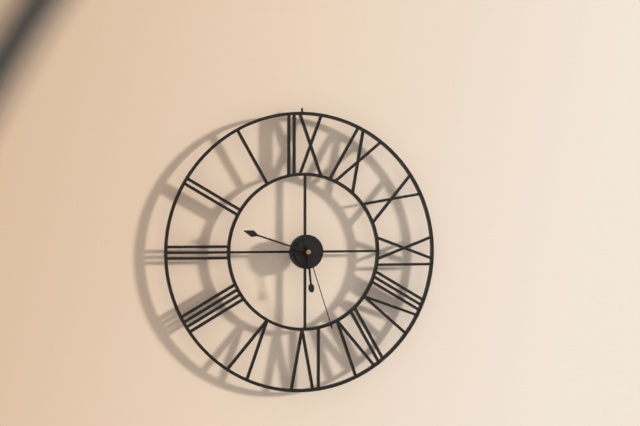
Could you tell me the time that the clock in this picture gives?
5:48:27
